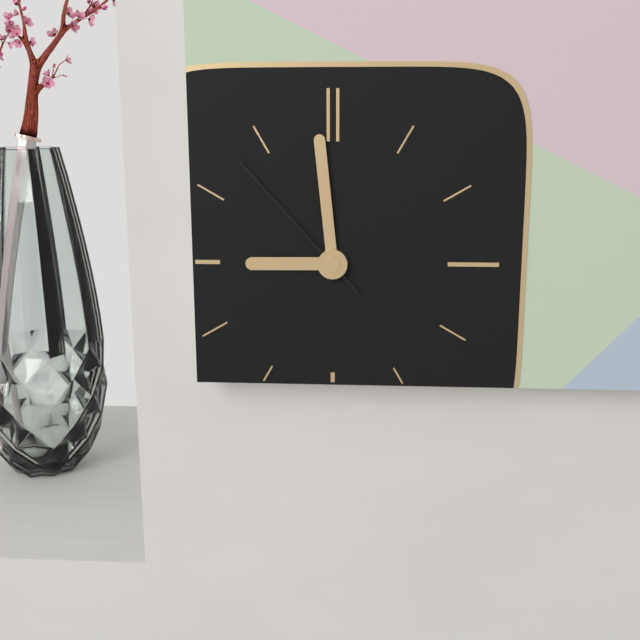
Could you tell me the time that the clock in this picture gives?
8:59:53
